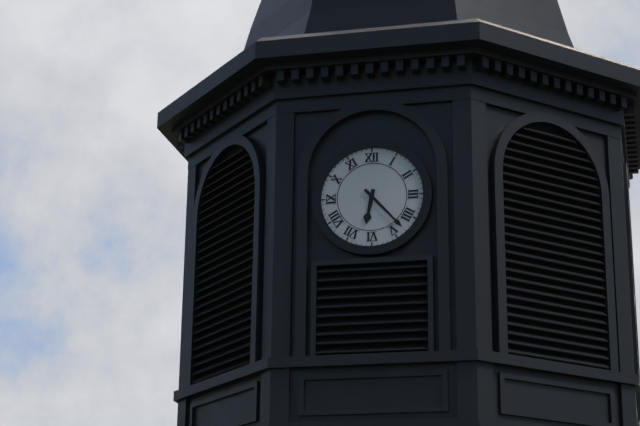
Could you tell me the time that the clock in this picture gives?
6:23
